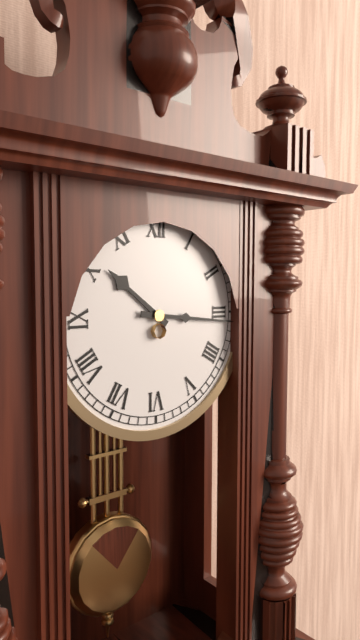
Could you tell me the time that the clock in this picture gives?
10:16
